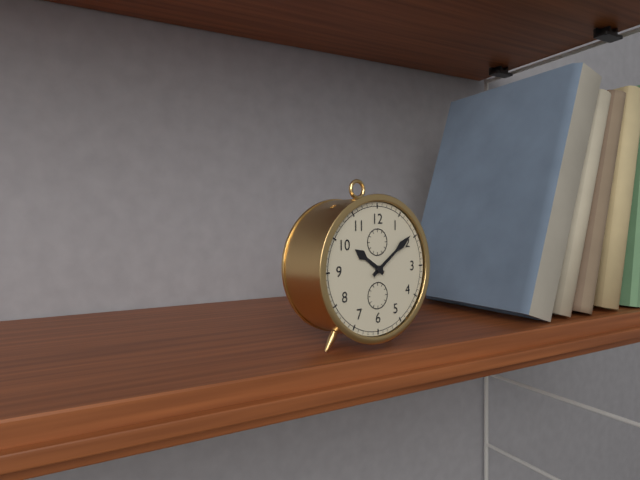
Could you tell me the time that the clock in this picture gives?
10:09
